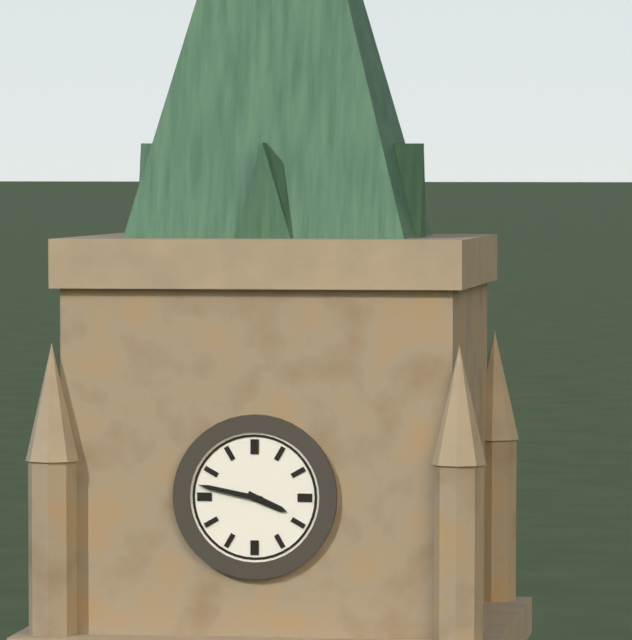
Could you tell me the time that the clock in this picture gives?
3:47
